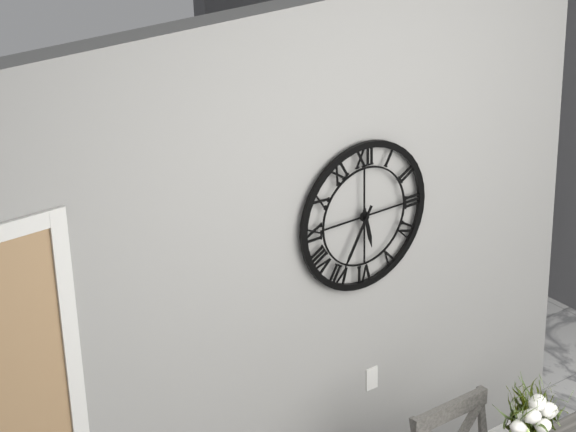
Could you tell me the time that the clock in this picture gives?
5:35
